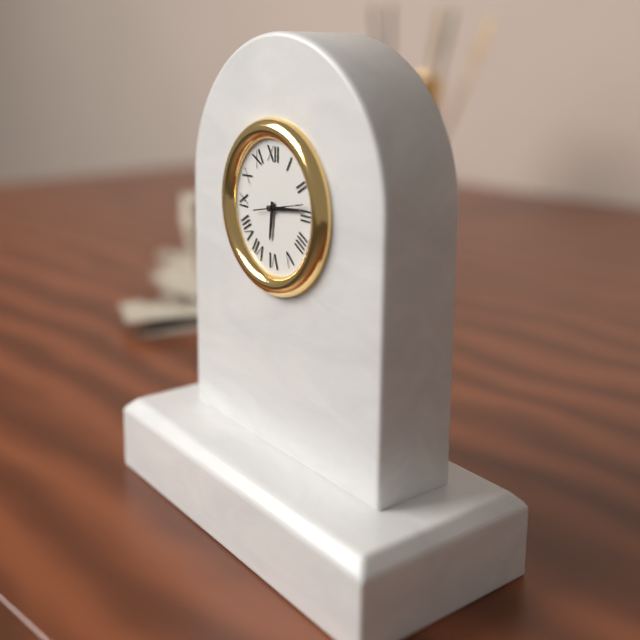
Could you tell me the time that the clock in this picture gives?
6:14
